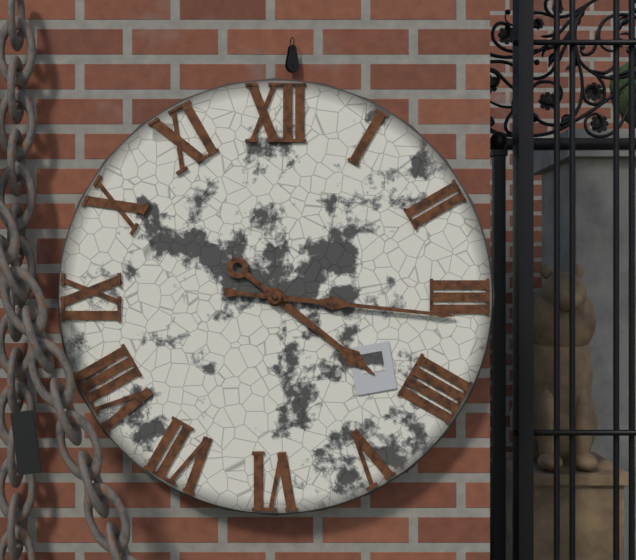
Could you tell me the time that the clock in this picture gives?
4:16
